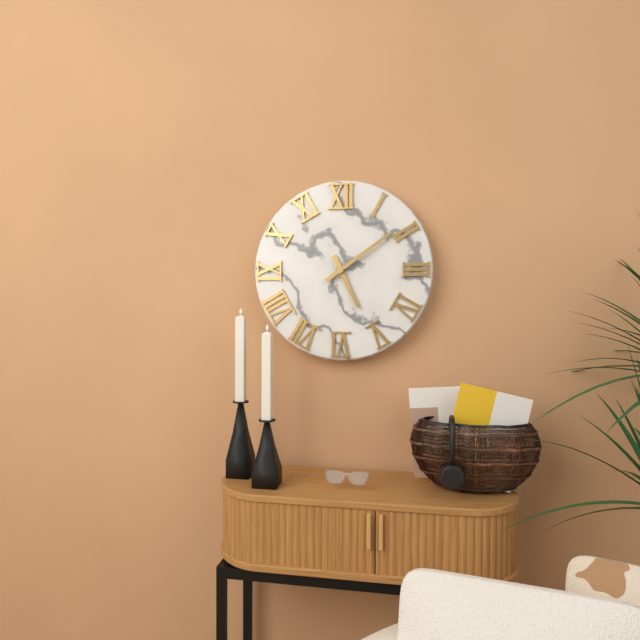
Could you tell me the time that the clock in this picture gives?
5:09
